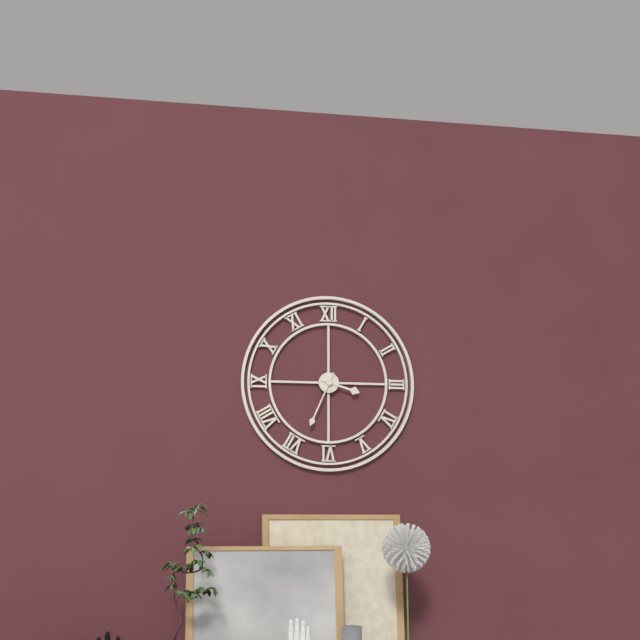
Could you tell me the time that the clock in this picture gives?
3:34
